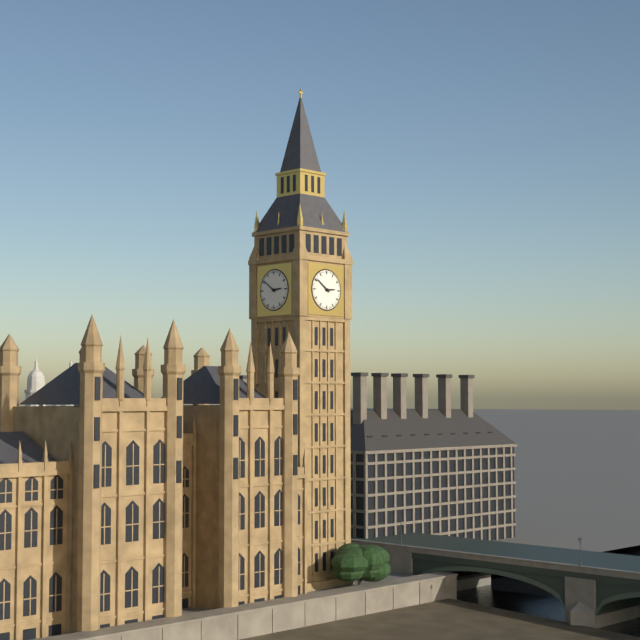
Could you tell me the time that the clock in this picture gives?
2:51
